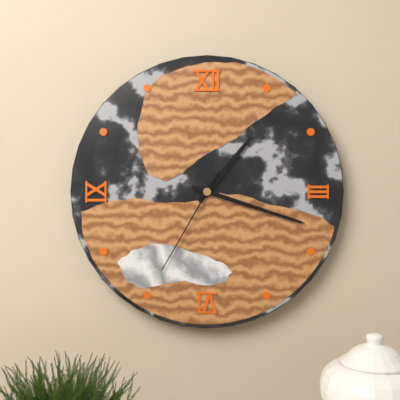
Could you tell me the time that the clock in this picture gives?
1:18:35
